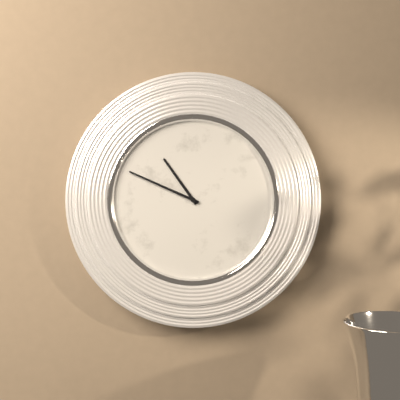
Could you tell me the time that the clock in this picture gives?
10:49
